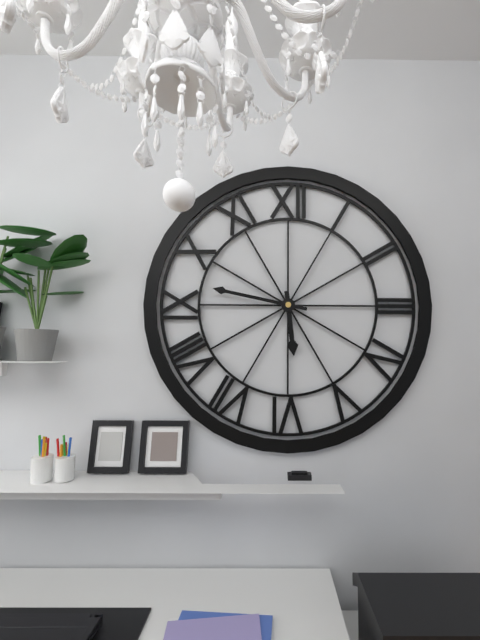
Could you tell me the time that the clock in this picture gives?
5:47
